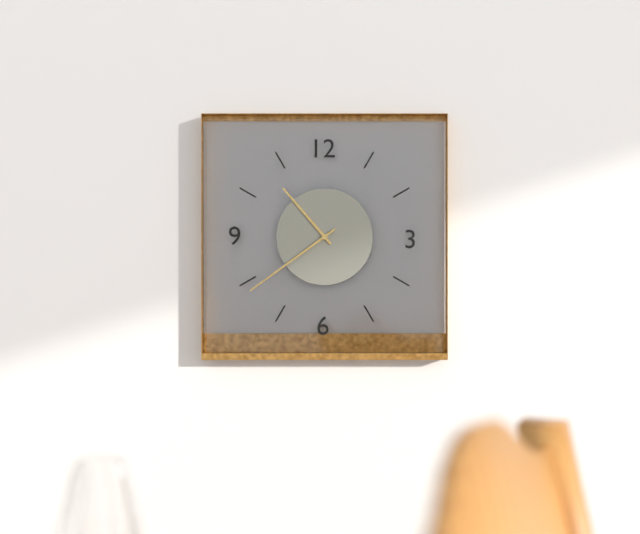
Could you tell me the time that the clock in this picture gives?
10:39
